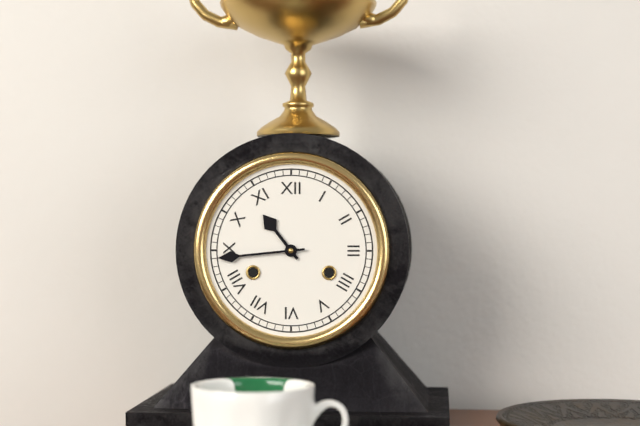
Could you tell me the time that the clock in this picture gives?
10:44
